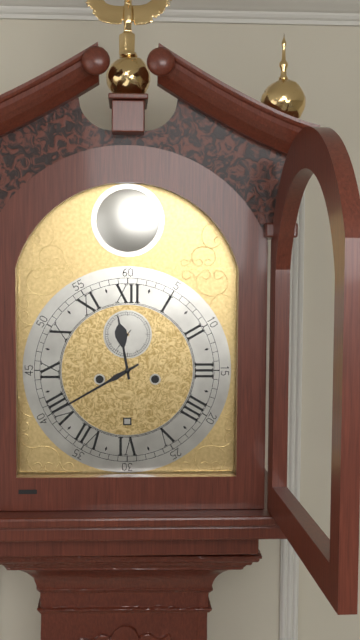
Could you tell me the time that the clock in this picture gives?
11:40
